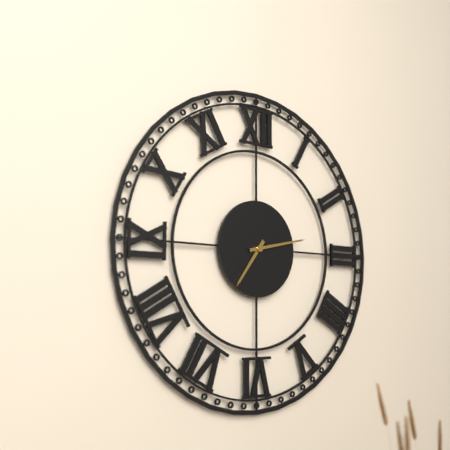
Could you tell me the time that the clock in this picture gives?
7:13
